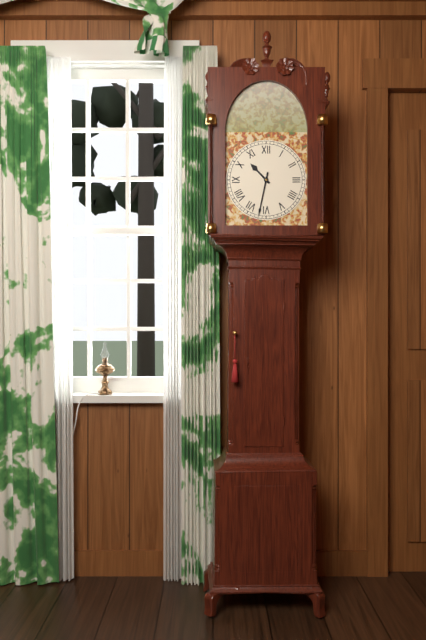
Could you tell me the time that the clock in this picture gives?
10:32
